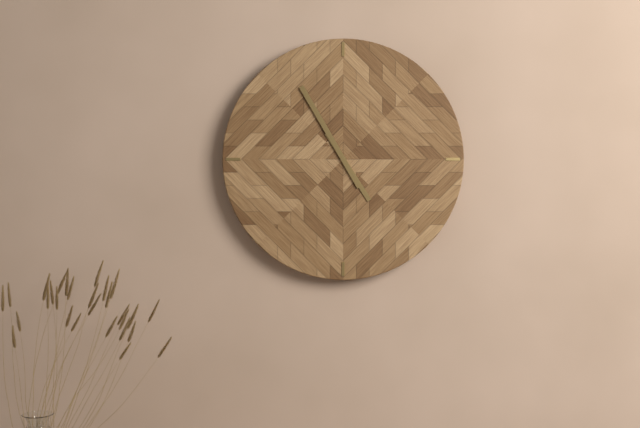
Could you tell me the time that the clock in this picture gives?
4:55
